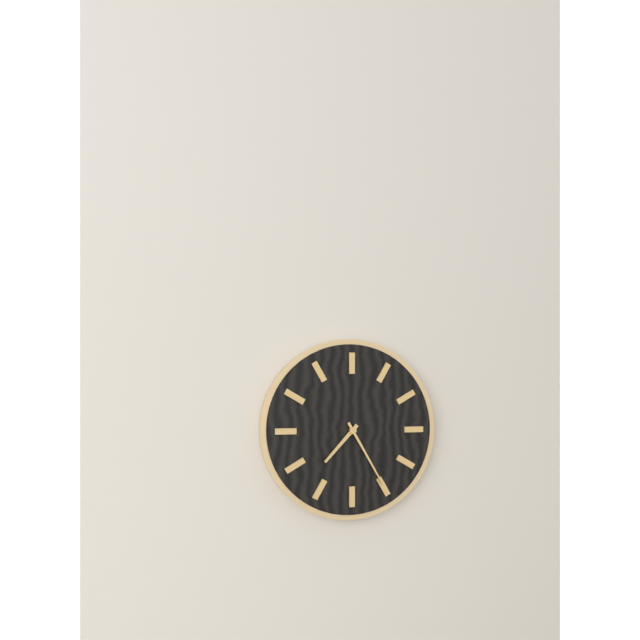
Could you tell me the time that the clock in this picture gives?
7:25
